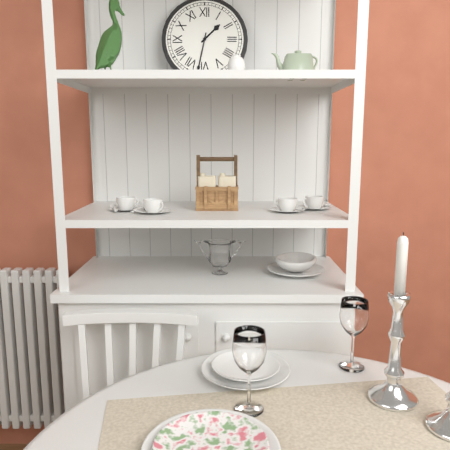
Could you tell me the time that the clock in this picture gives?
1:32
